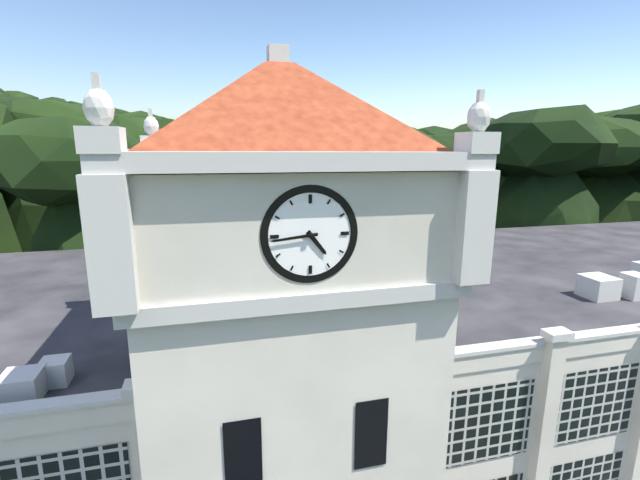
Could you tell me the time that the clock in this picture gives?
4:44
